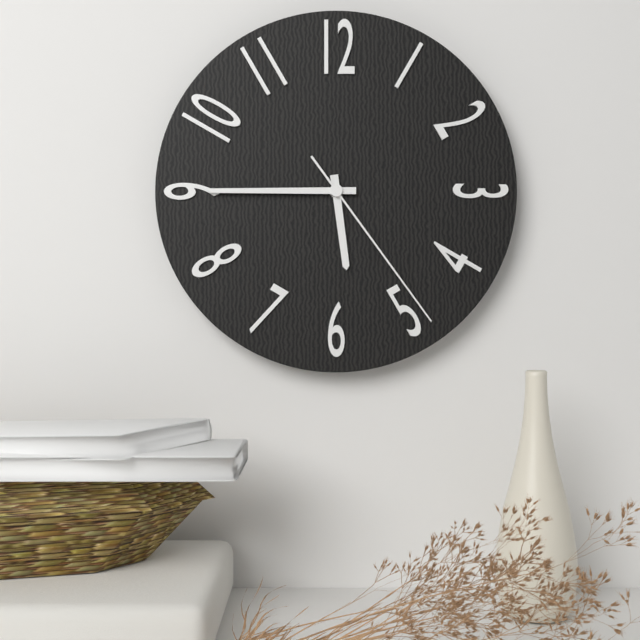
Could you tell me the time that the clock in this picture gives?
5:45:24
